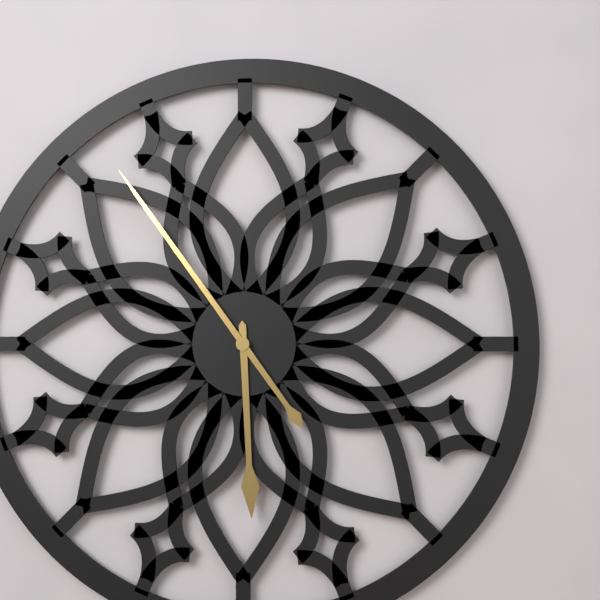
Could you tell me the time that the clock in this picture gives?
5:54
